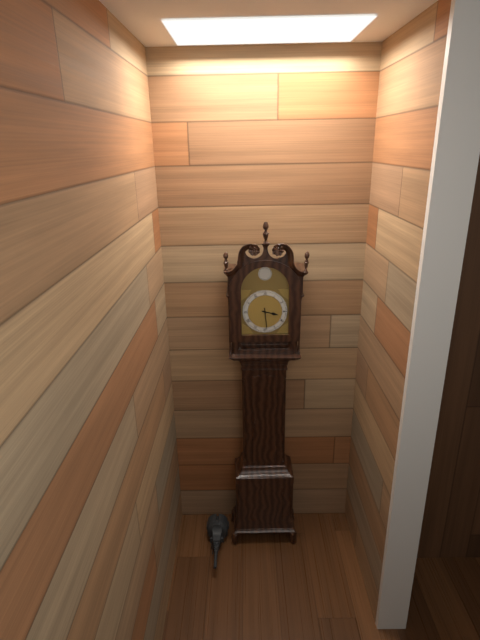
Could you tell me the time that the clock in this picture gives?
3:29
